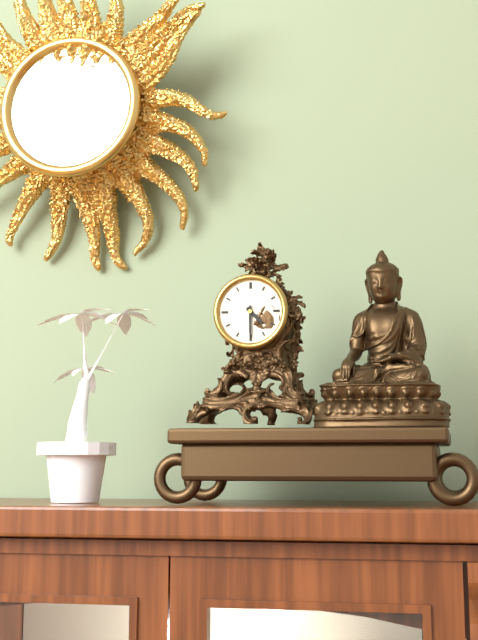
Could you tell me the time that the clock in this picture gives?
4:30
